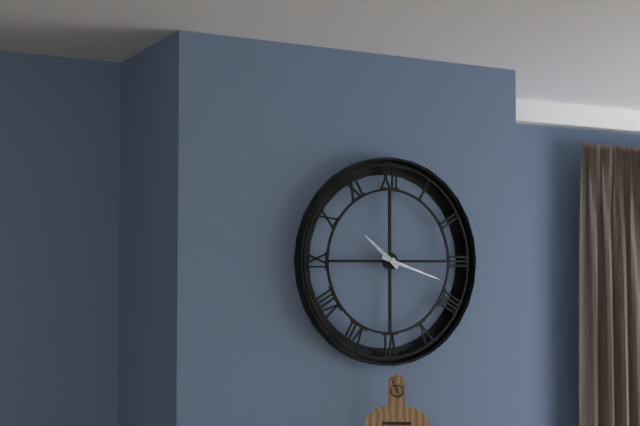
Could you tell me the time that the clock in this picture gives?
10:18
